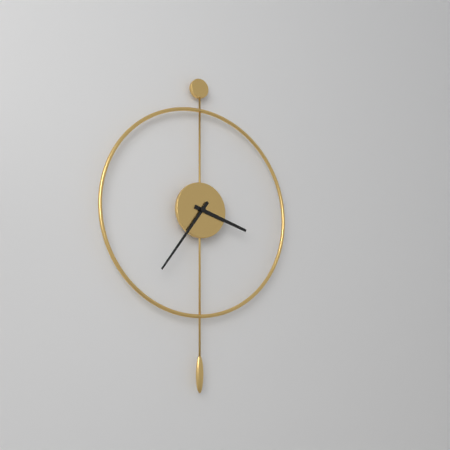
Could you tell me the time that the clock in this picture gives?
3:36
